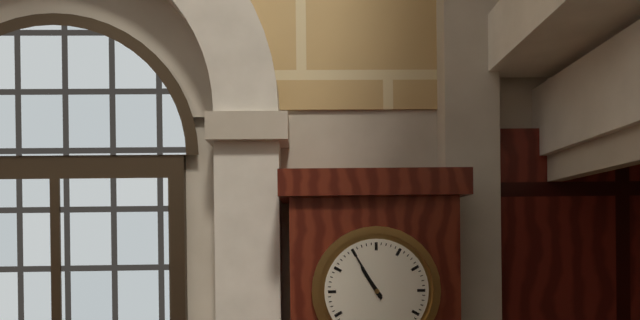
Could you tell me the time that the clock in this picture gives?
10:55
